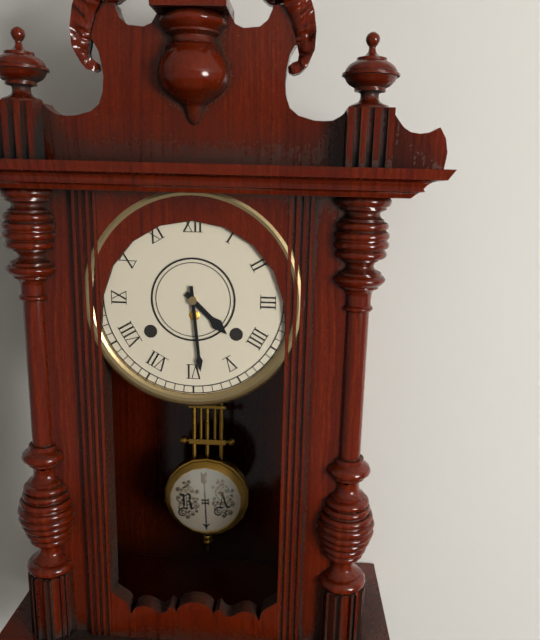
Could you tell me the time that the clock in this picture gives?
4:29
